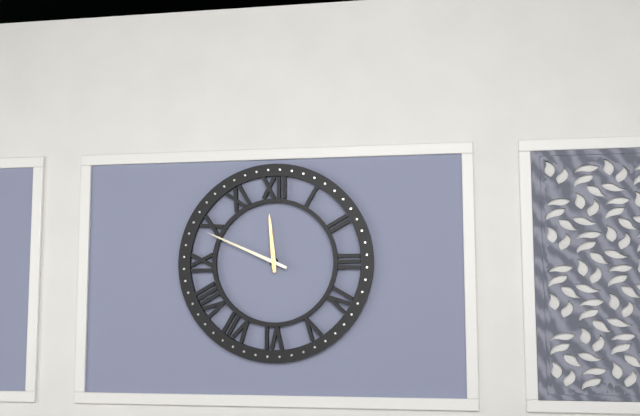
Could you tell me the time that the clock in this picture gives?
11:49
